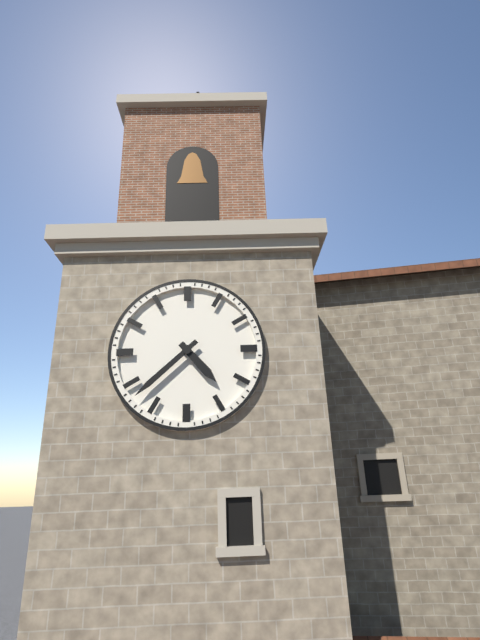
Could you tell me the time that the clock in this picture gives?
4:38
